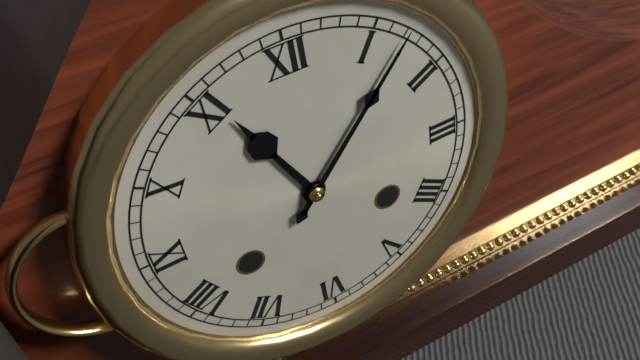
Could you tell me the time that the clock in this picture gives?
11:07
